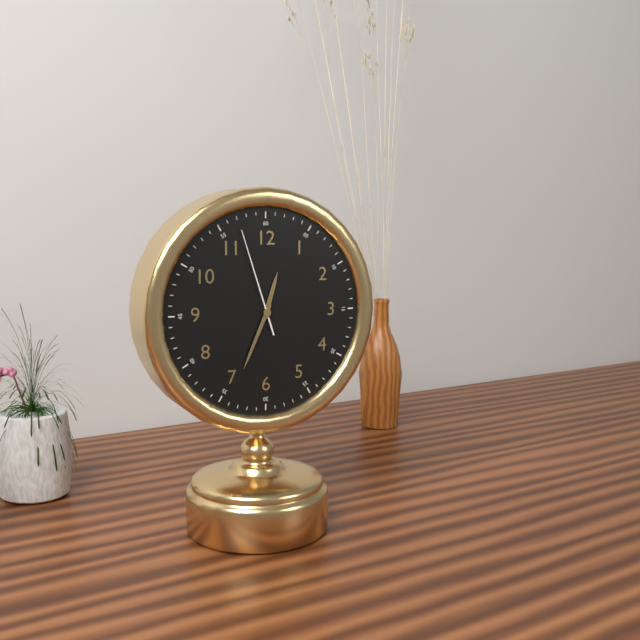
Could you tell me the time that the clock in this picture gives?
12:34:57
